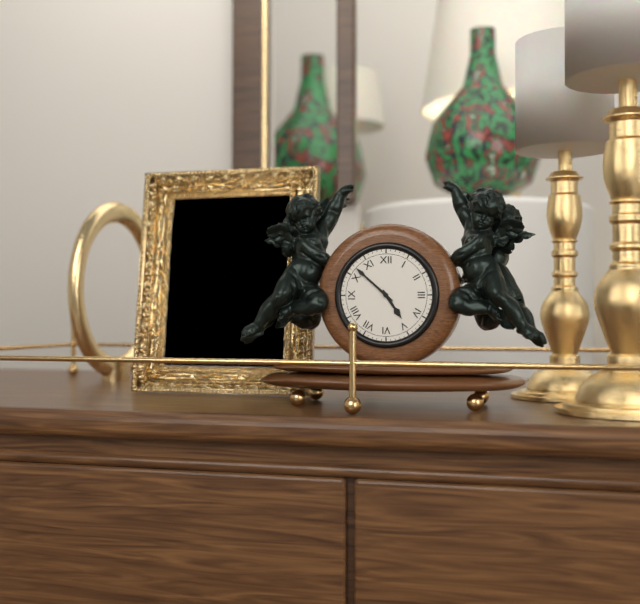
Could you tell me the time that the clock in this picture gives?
4:52
